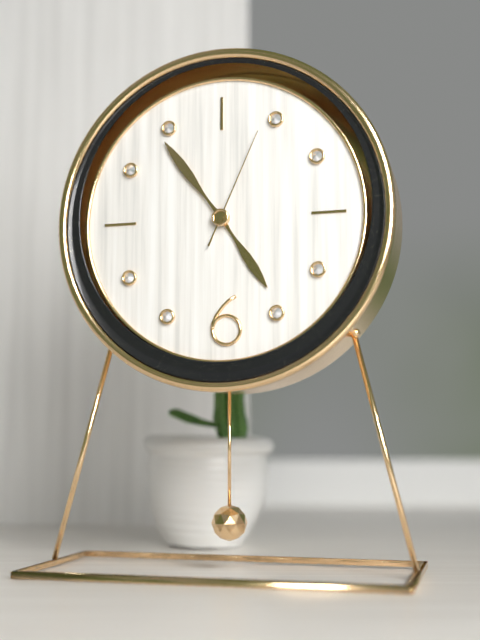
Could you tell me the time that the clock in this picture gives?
4:54:04
